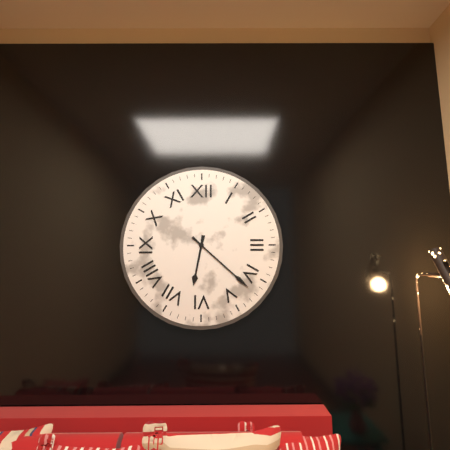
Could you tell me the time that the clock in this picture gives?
6:22
